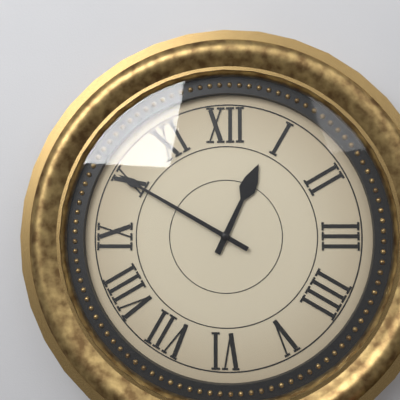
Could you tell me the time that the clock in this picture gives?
12:50
